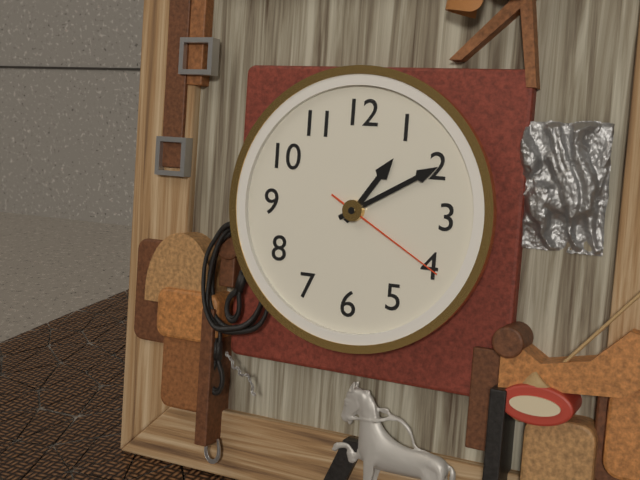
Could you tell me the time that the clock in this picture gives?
1:10:20
